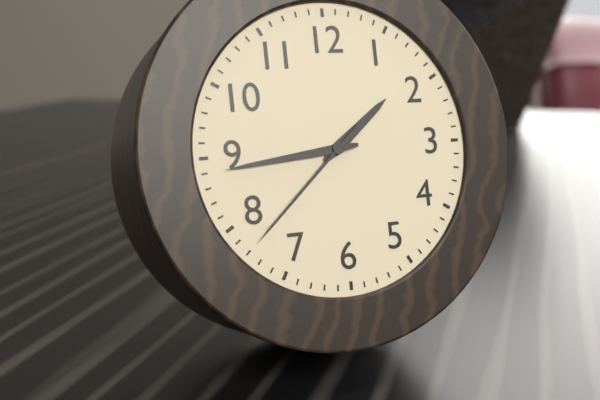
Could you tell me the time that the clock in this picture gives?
1:44:38
